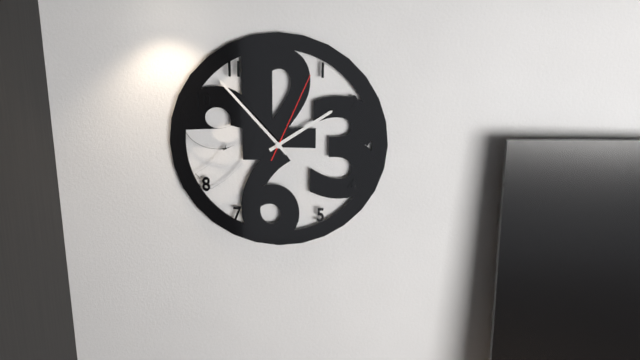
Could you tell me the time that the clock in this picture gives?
1:53:04
